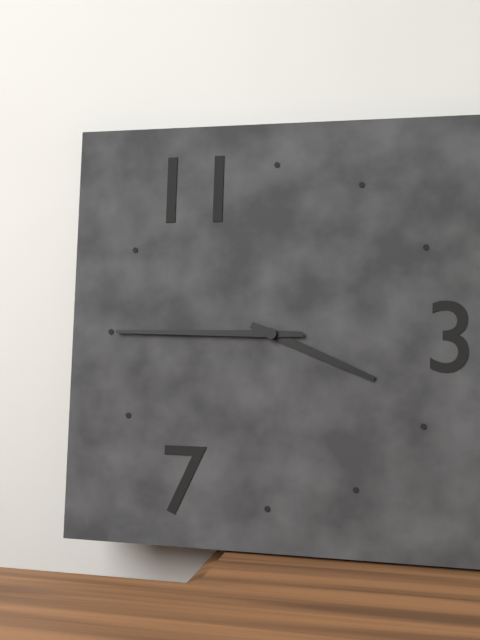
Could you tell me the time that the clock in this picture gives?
3:45
